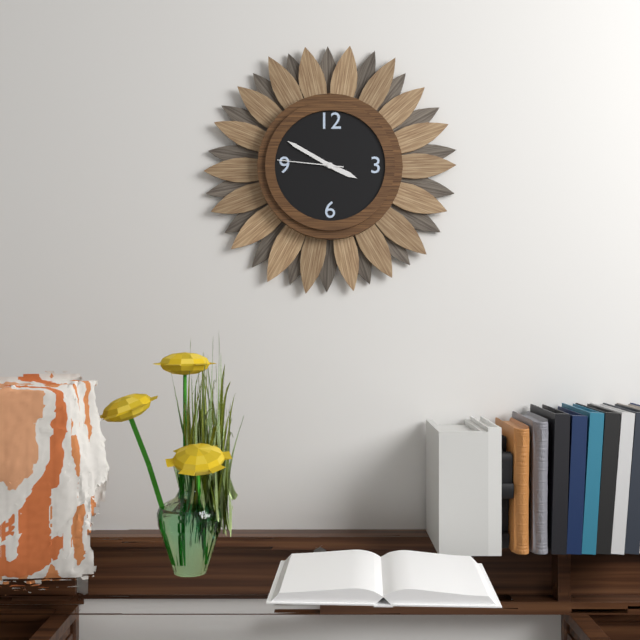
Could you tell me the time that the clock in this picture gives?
3:50:46
